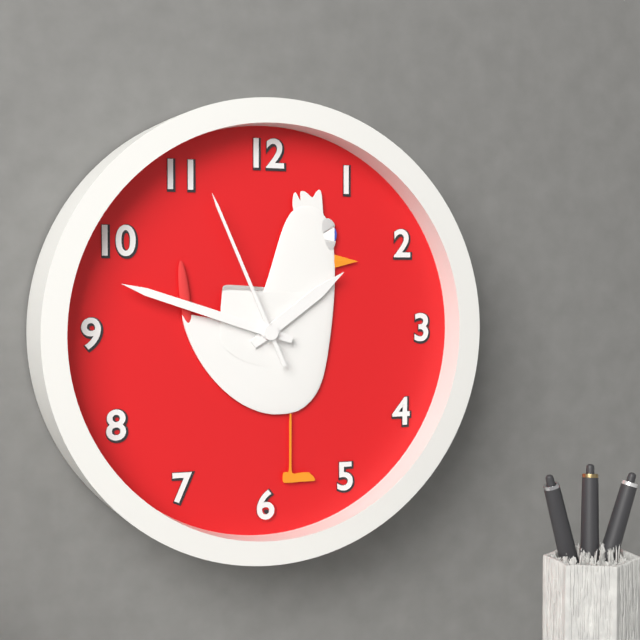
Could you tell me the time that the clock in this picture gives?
1:48:56
